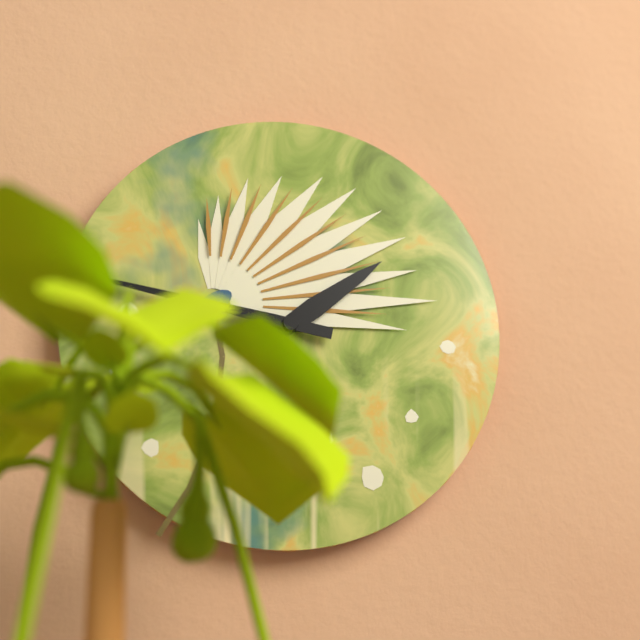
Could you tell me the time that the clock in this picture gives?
1:47
